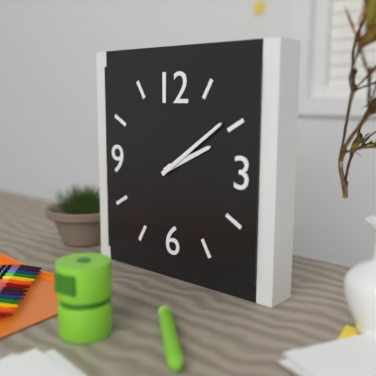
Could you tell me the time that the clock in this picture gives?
2:09
